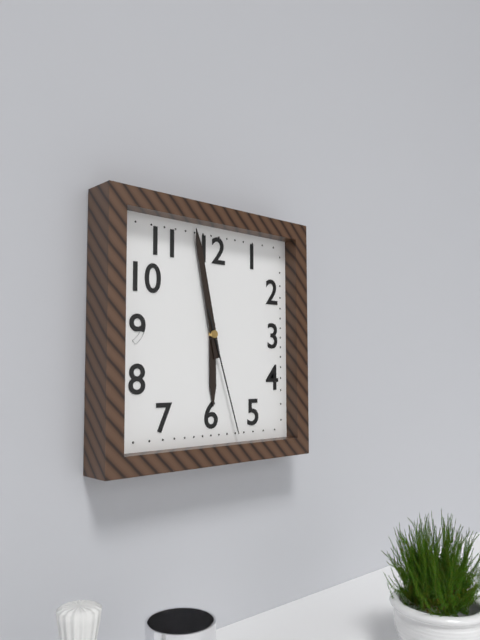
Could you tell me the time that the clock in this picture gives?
5:58:27
